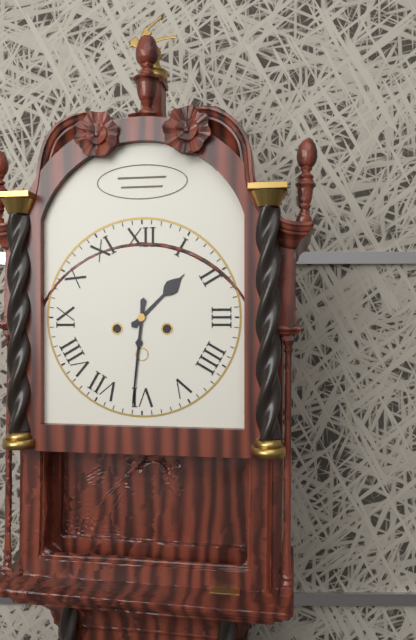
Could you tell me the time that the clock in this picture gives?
1:31
